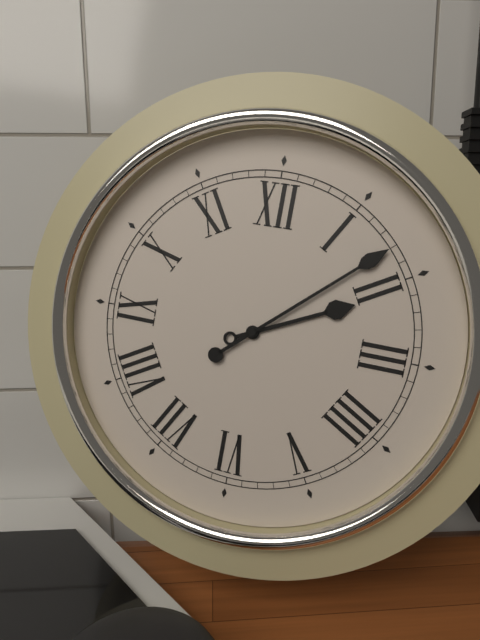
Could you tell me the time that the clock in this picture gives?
2:08
